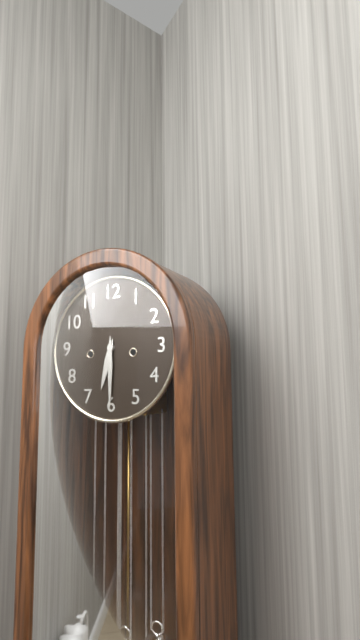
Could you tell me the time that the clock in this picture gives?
6:30
